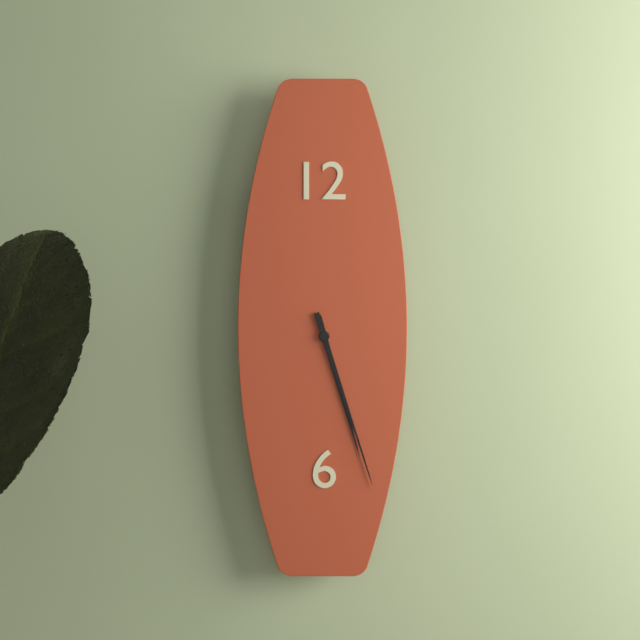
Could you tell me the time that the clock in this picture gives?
5:27
